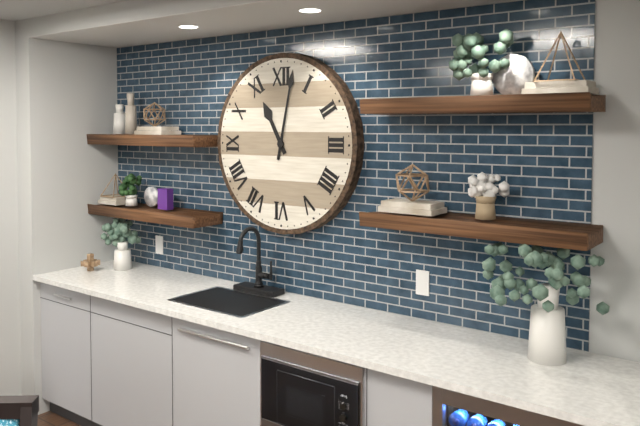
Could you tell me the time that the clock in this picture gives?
11:02
